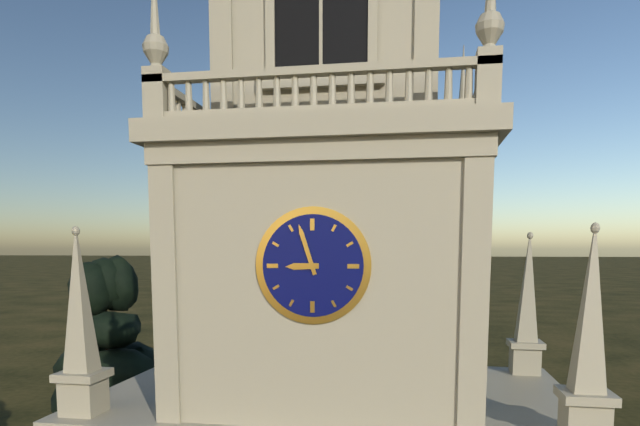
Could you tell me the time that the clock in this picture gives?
8:57
